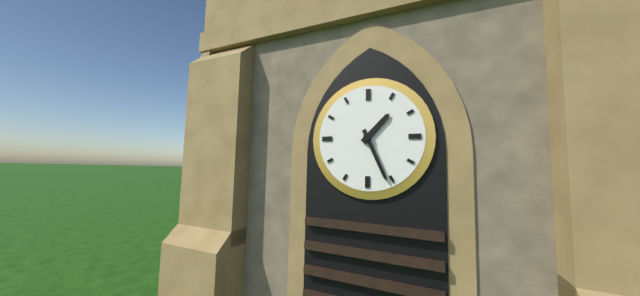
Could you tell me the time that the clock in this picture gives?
1:26
